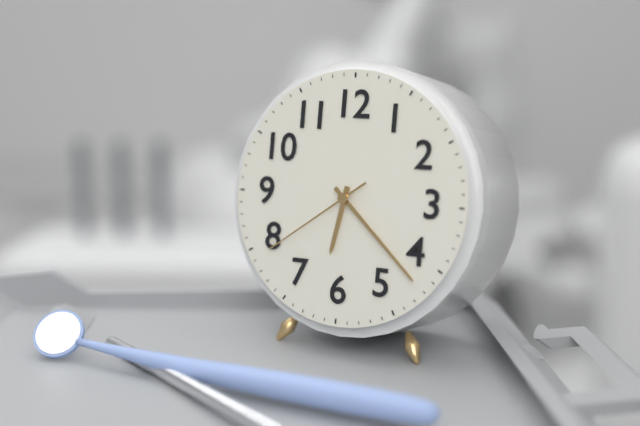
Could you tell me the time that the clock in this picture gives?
6:22:39
